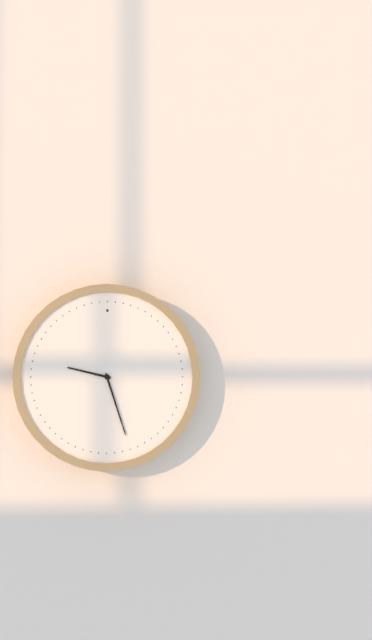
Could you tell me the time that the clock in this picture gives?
9:27
